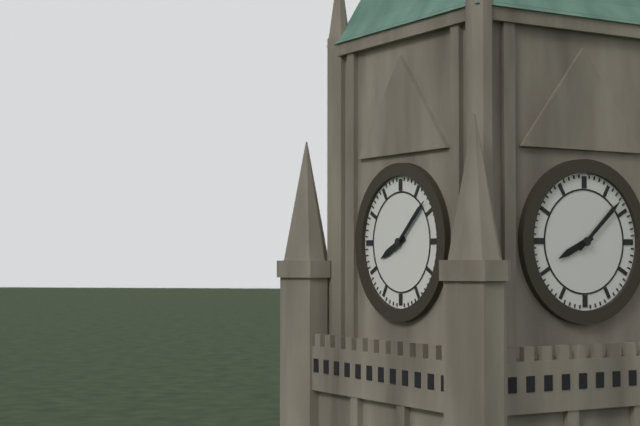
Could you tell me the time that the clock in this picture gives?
8:08
